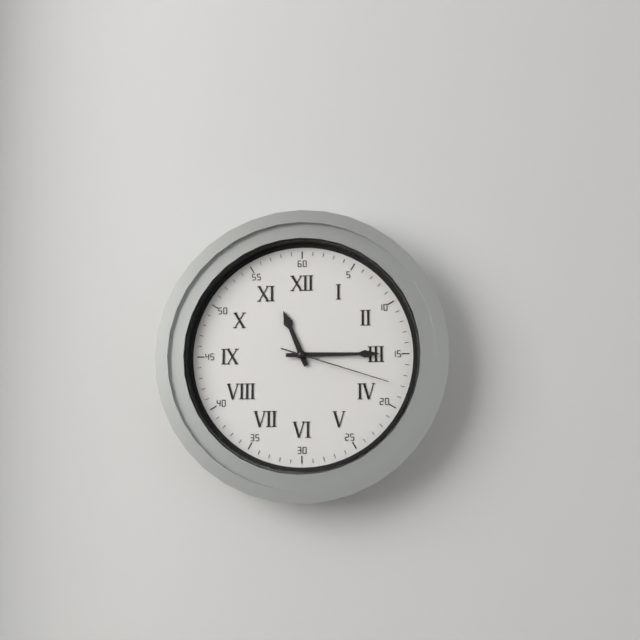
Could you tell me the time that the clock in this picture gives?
11:15:18
